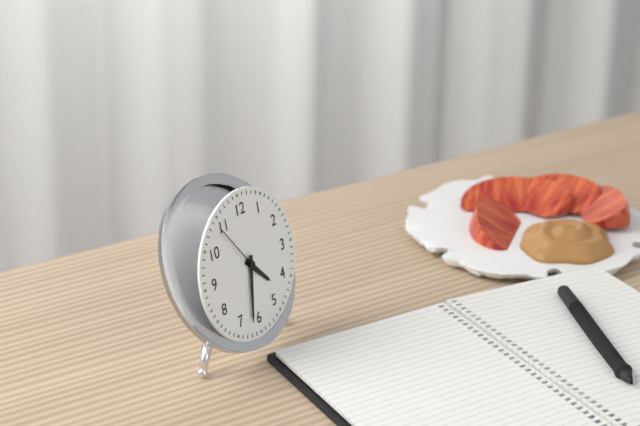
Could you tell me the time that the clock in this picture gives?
4:32:54
